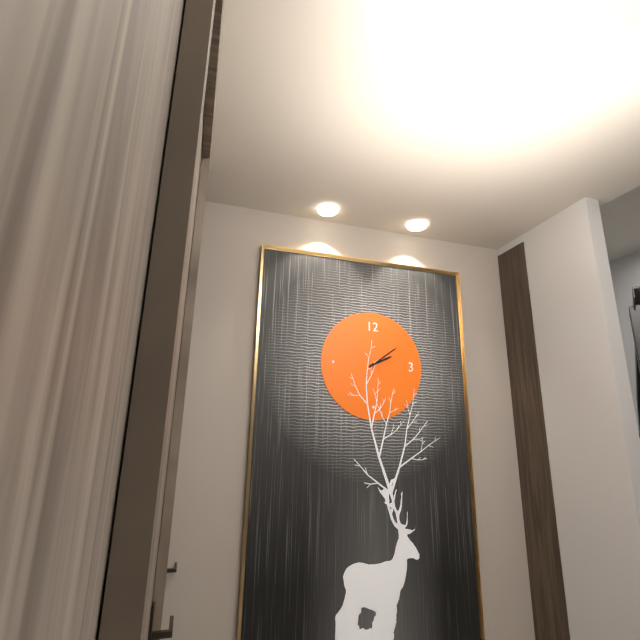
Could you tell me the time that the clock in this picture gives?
2:09
